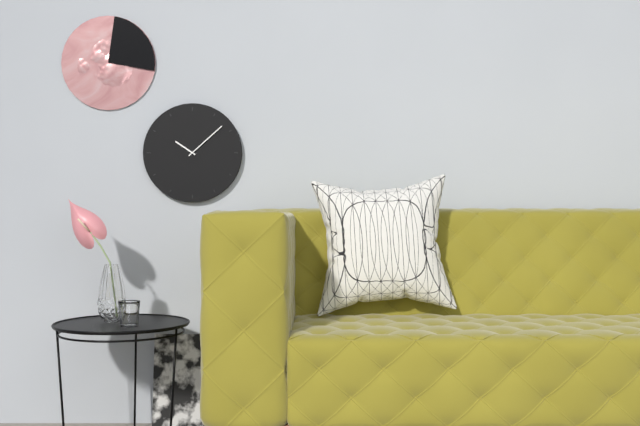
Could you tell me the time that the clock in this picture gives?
10:08
